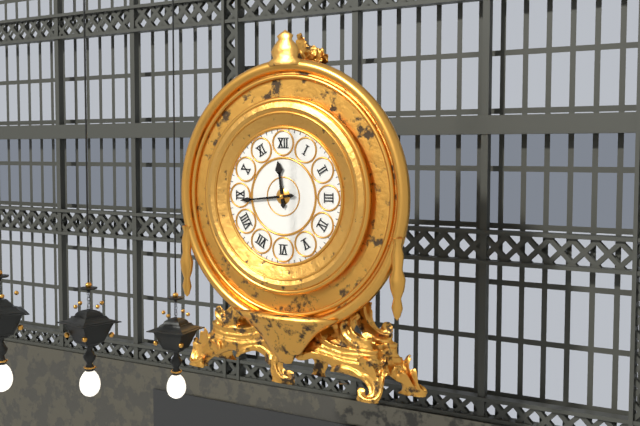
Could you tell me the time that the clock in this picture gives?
11:44
